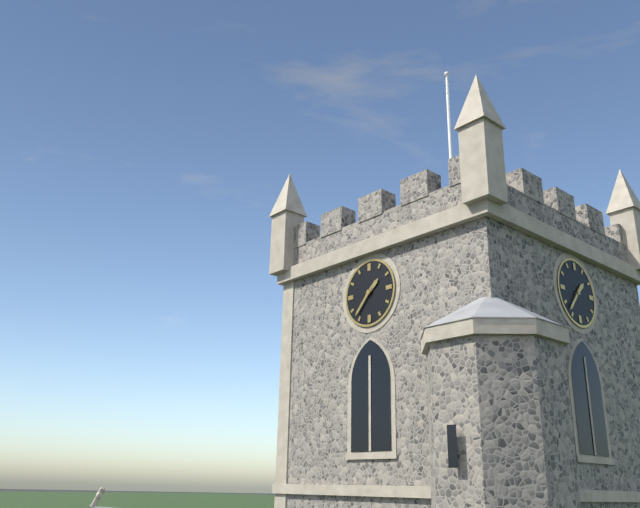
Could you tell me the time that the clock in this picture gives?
1:37
